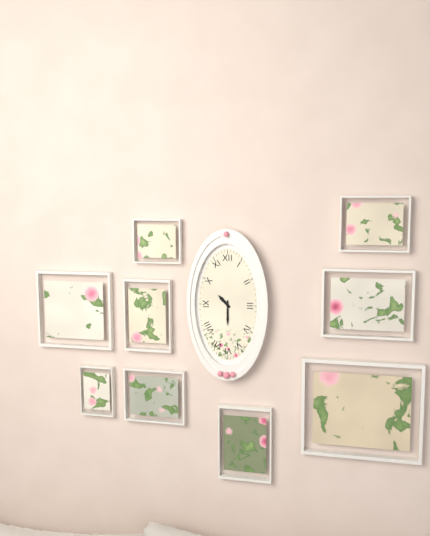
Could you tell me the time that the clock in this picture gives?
10:30
